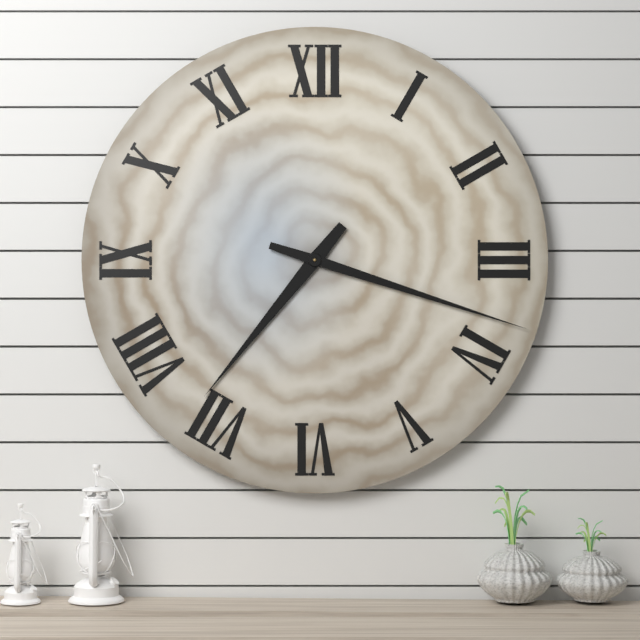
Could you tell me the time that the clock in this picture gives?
7:18
